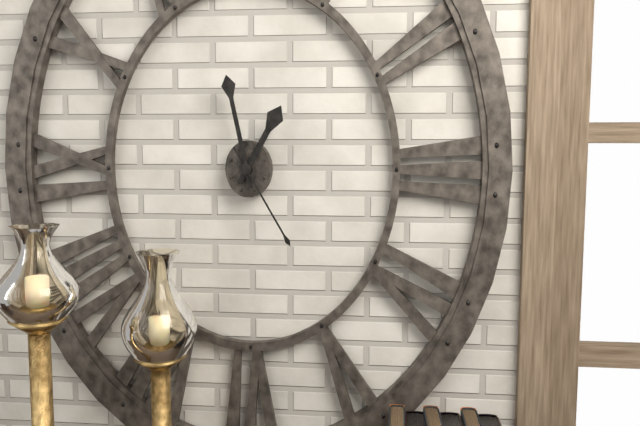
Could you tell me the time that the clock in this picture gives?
12:58:25
